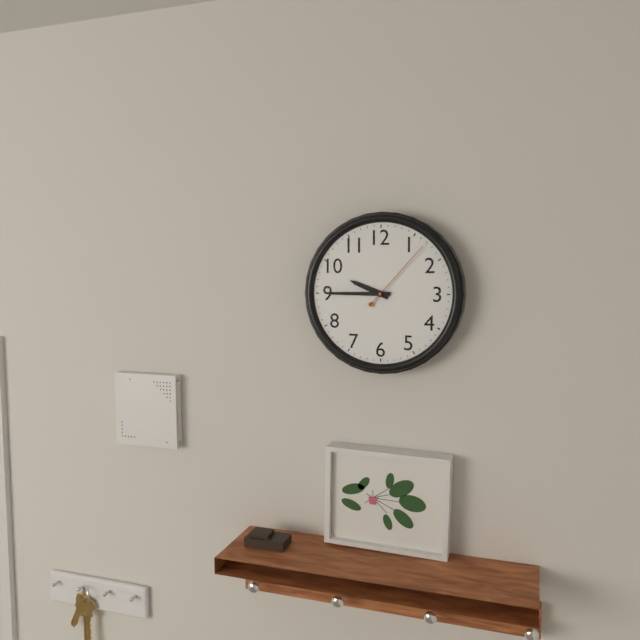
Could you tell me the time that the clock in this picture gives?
9:45:07
